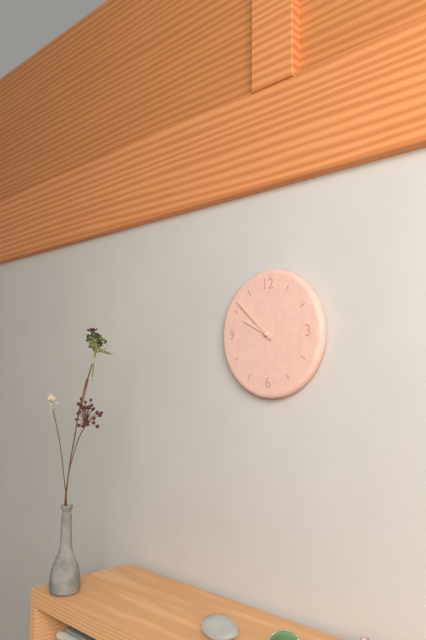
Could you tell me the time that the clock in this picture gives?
9:52
